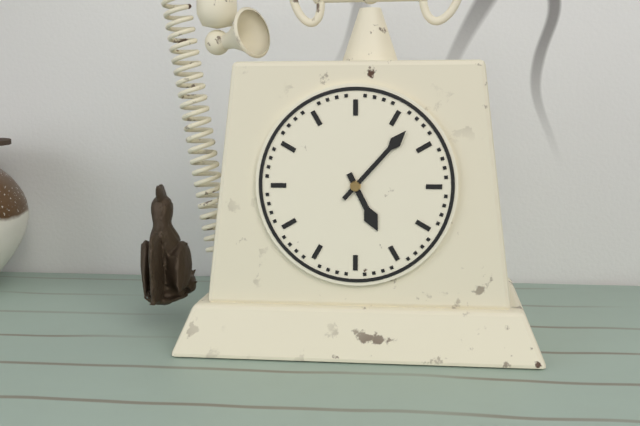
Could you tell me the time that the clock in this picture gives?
5:07
